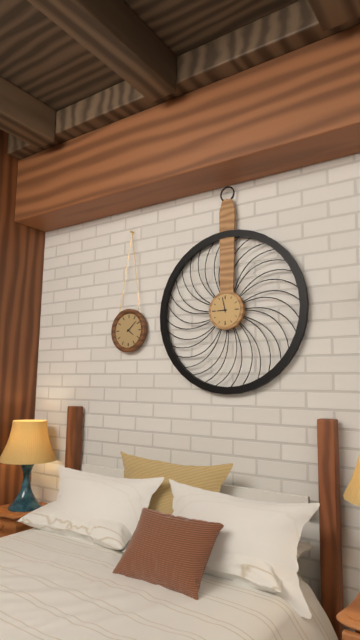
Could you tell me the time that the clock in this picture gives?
8:58
